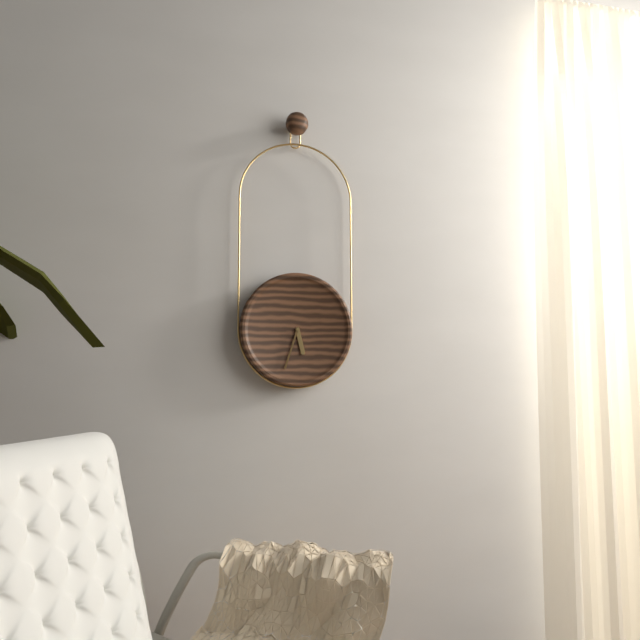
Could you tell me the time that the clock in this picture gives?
5:33
